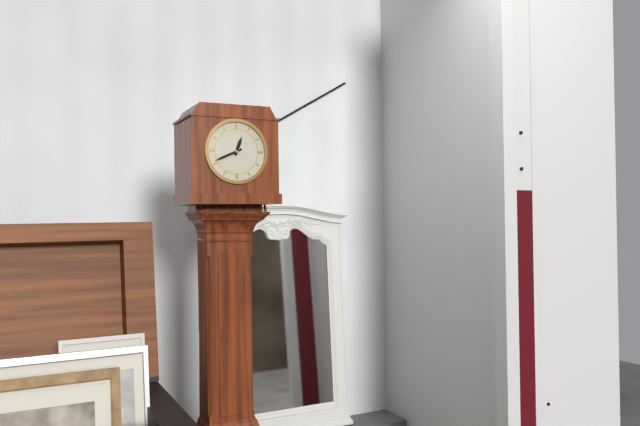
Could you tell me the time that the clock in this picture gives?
12:41
